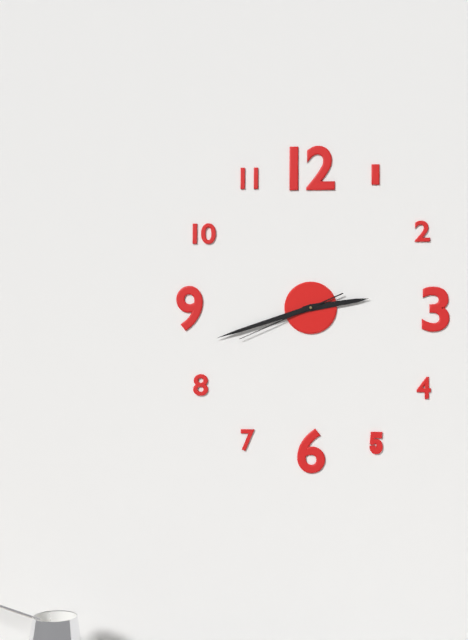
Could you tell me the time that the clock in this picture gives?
2:42:41
